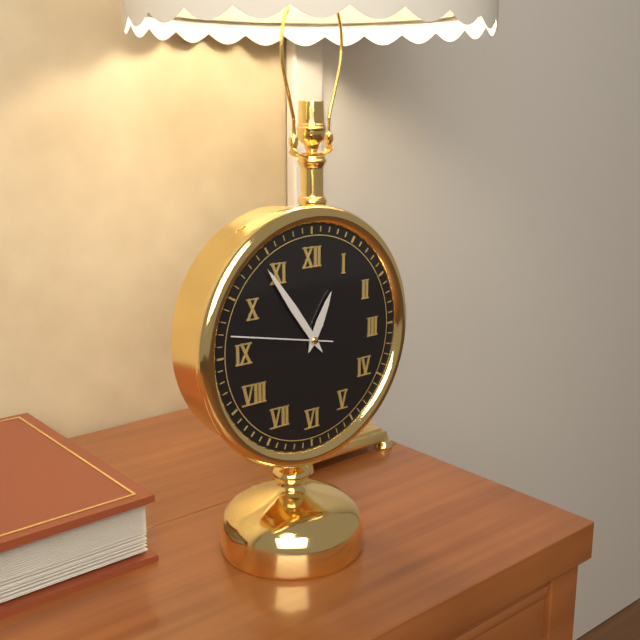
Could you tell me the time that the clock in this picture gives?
12:54:47
